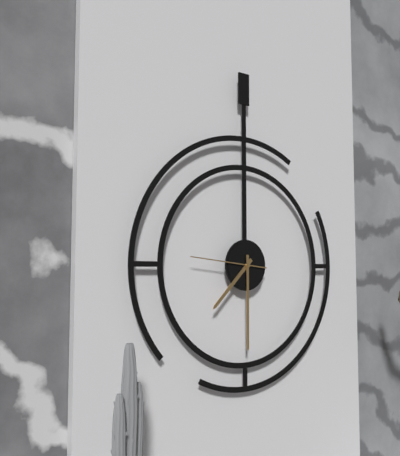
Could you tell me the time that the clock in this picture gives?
7:30:46
